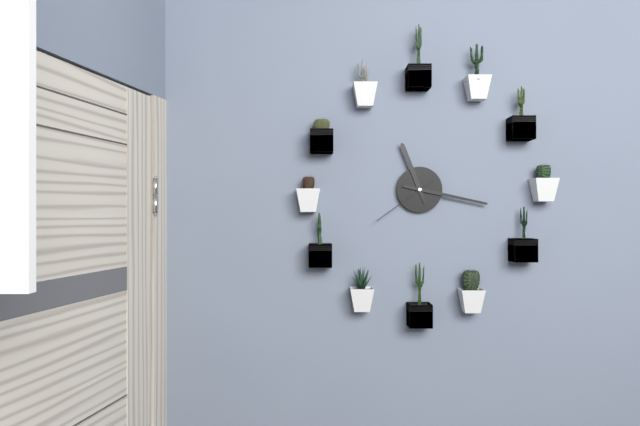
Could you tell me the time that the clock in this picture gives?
11:17:39
